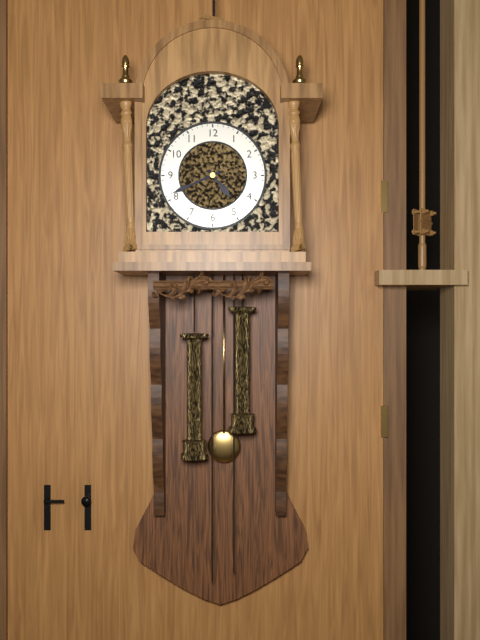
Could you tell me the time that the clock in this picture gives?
4:41
